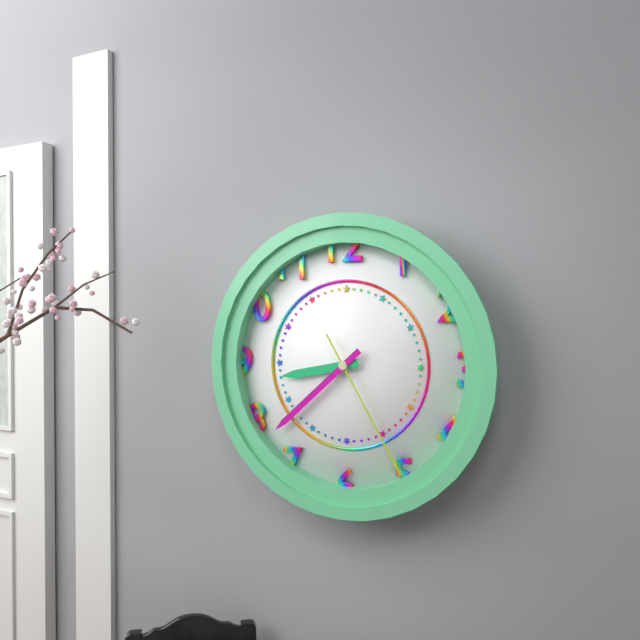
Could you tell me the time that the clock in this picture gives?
8:38:25
